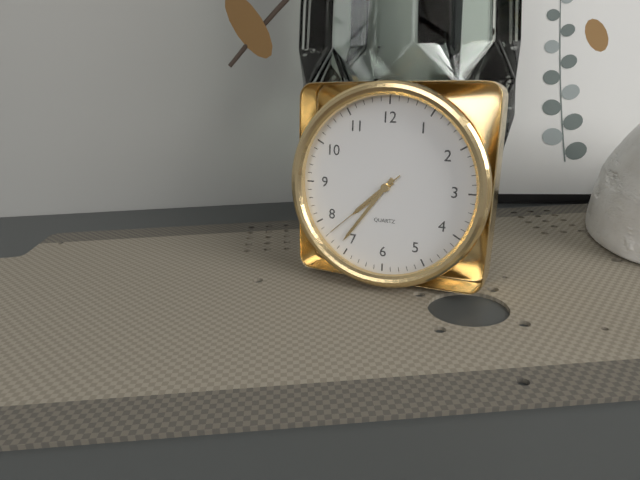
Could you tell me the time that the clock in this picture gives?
7:36:38
